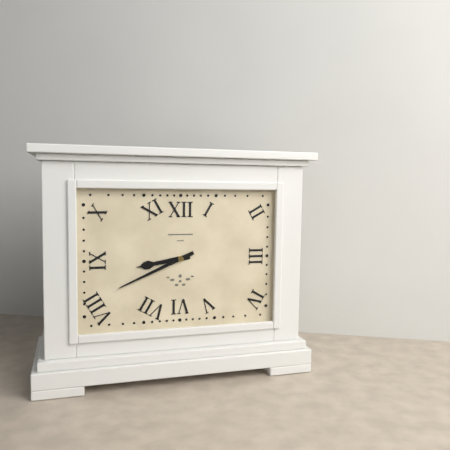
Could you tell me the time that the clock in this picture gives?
8:41
